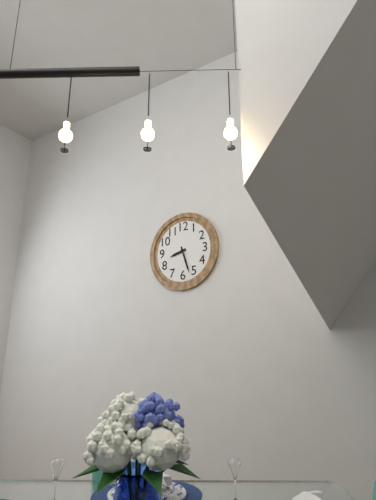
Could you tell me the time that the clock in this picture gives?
8:27
